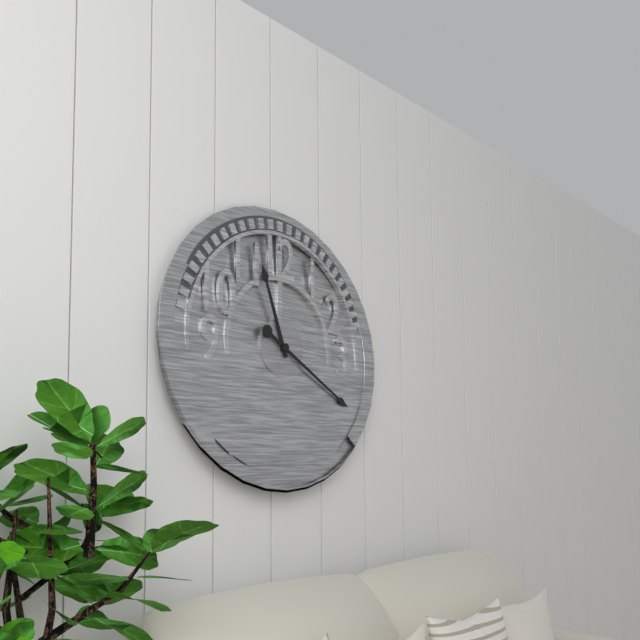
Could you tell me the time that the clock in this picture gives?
11:20
